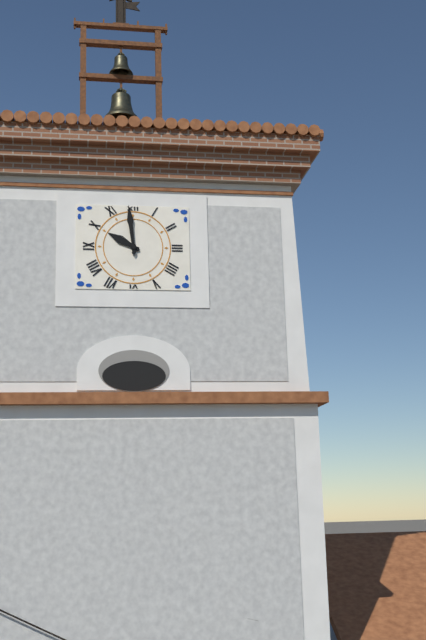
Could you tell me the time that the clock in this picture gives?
9:59
